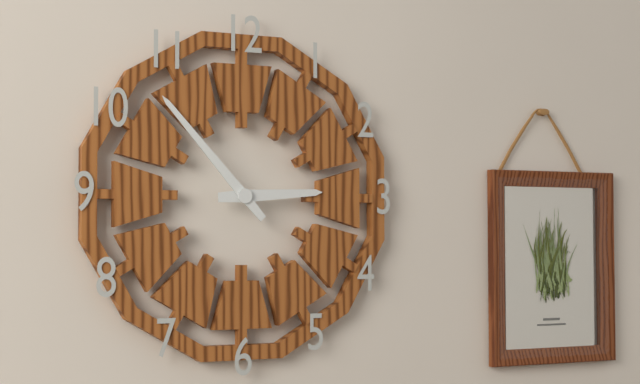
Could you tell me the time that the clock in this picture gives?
2:53
